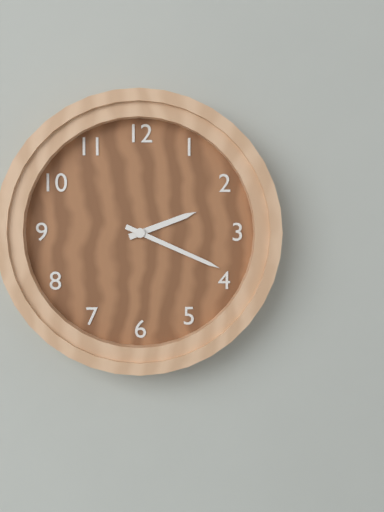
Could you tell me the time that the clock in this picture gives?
2:19
